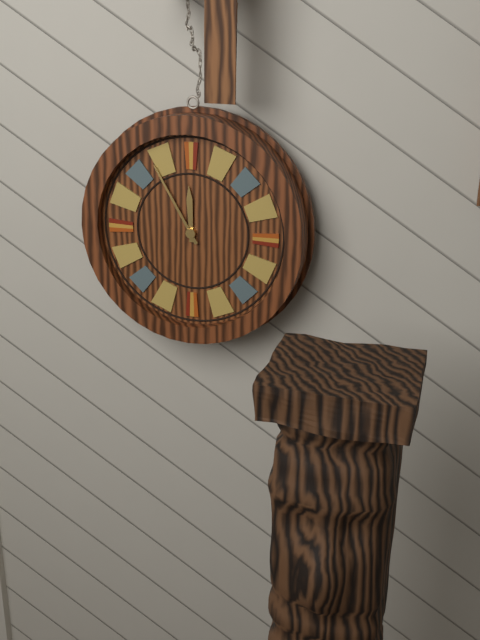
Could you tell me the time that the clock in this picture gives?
11:55
